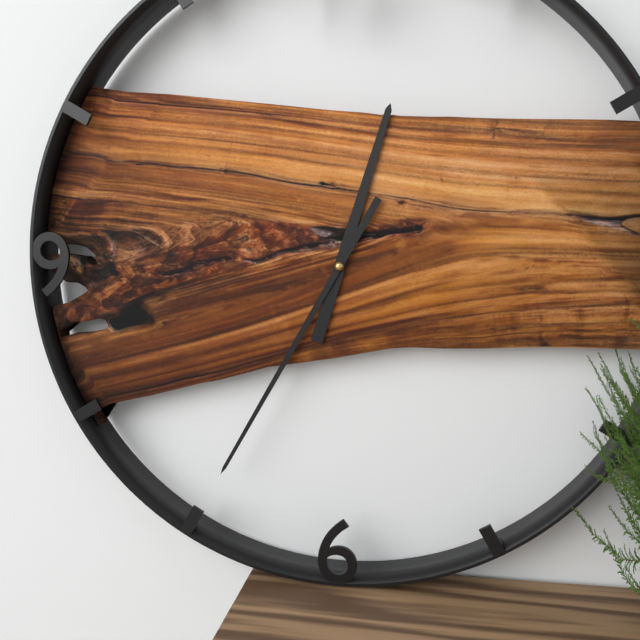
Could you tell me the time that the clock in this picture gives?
12:35
